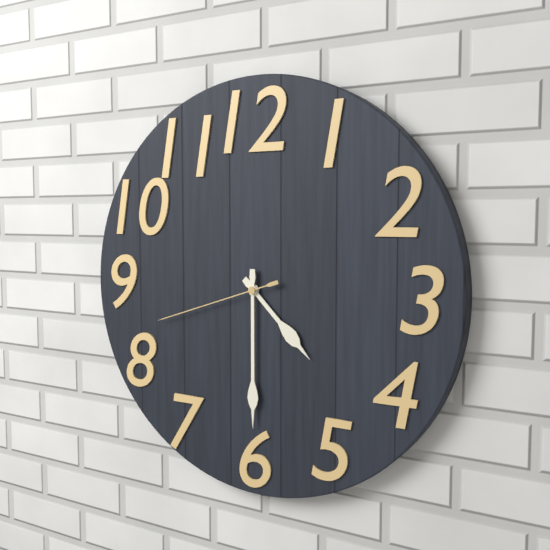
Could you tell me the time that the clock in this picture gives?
4:30:42
